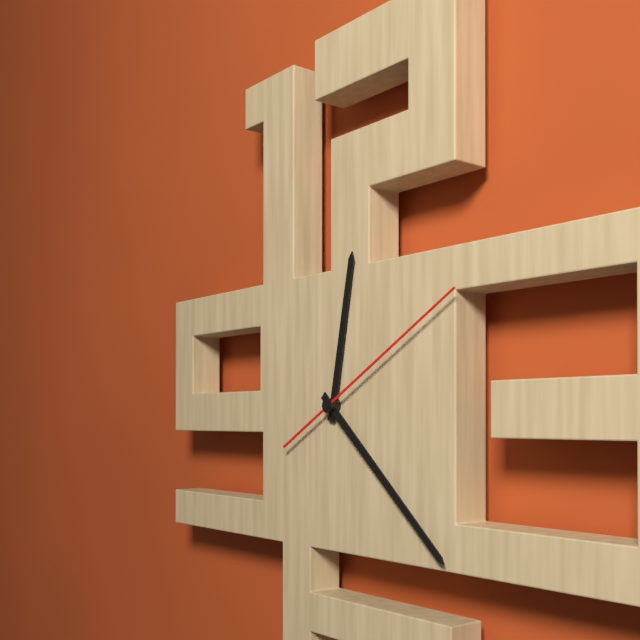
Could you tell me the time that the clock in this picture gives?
12:22:10
